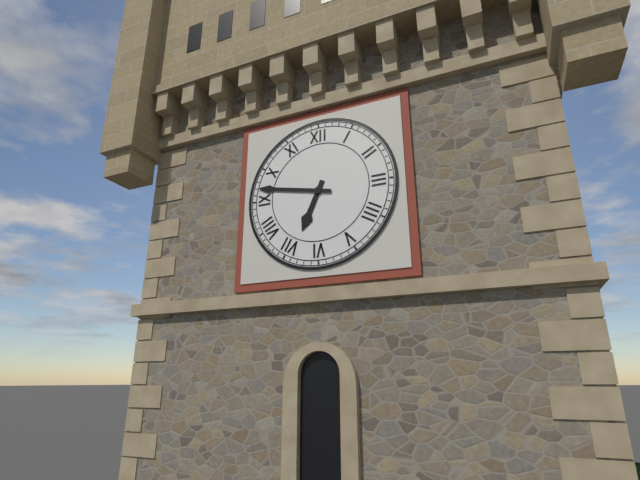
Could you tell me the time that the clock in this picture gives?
6:47
